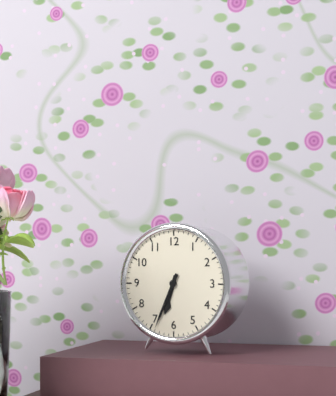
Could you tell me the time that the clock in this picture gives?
6:34
